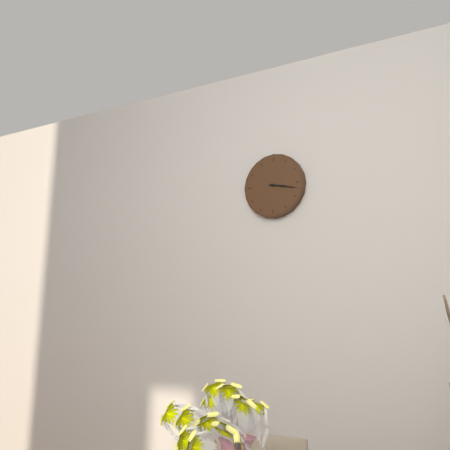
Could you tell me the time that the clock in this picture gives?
3:17
